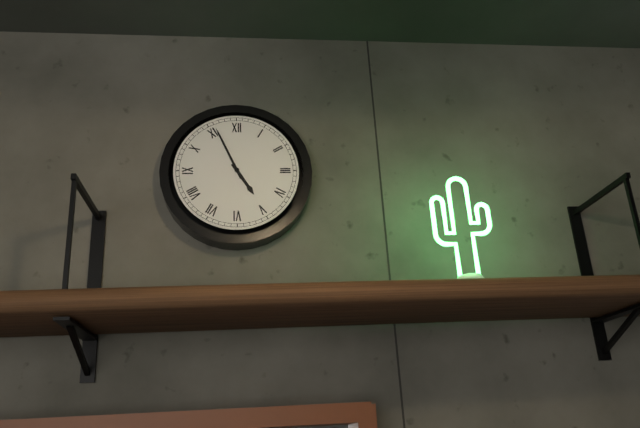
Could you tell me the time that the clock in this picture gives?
4:56
